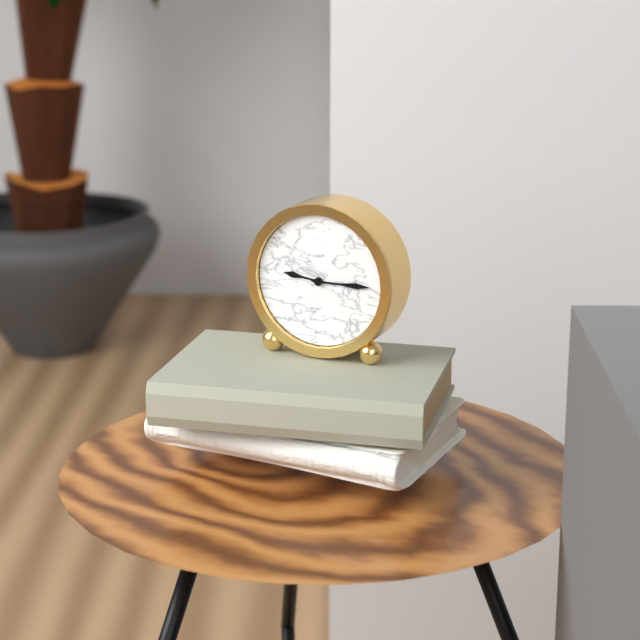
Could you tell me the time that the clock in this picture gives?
9:15
